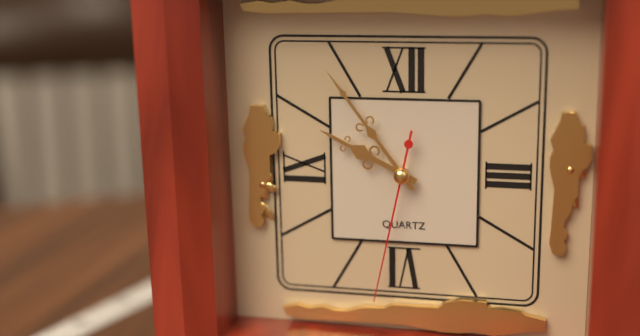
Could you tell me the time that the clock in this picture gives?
9:54:32
